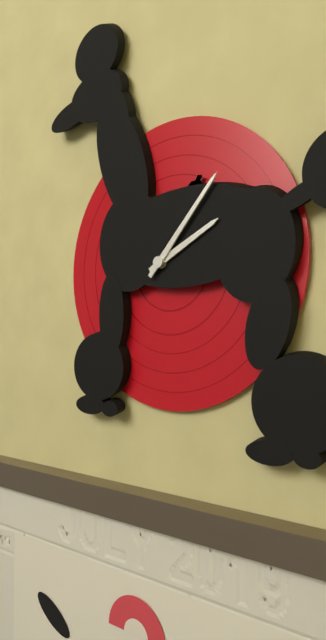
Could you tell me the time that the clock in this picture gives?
2:07
